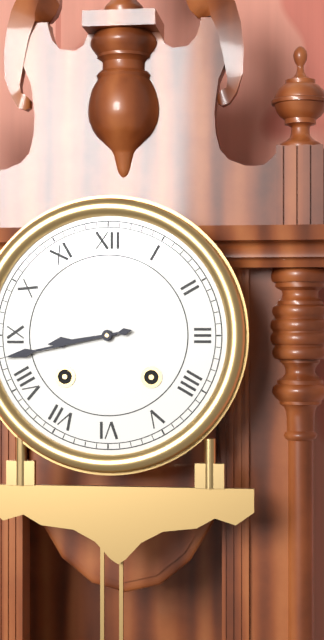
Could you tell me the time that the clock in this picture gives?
8:43
